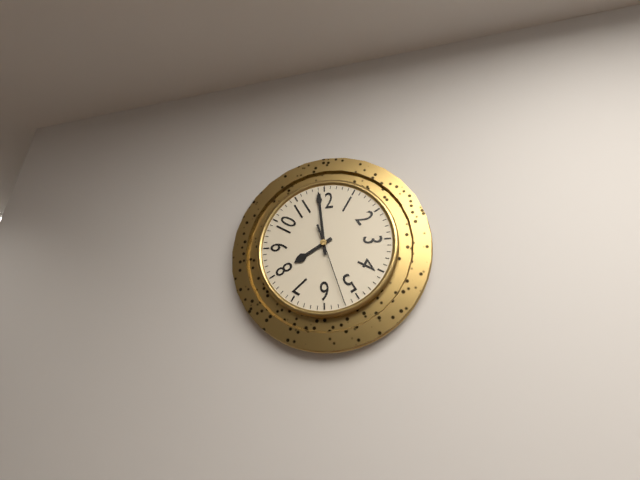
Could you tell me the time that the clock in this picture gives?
7:59:27
